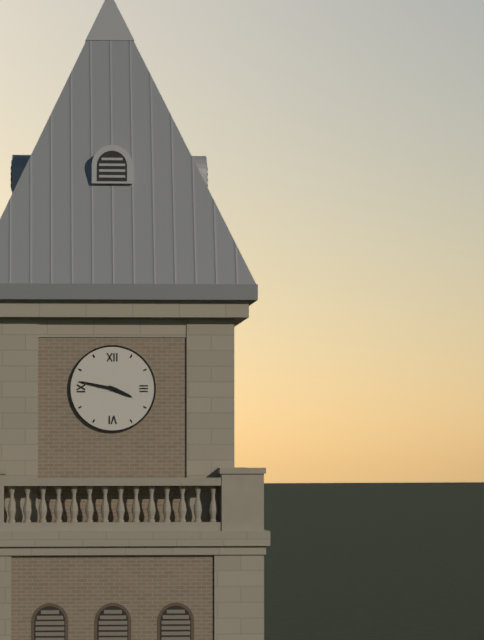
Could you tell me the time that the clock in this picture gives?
3:47
